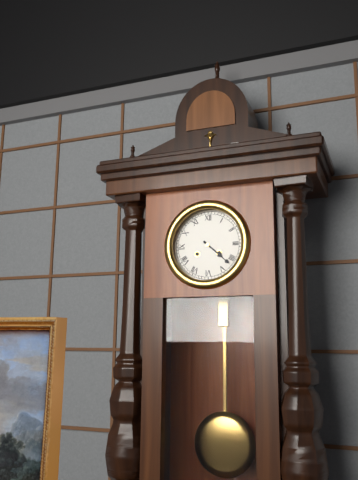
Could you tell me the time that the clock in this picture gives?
4:22
